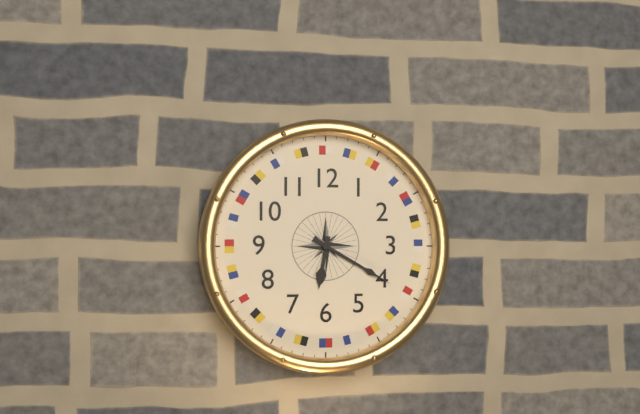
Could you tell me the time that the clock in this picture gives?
6:20
